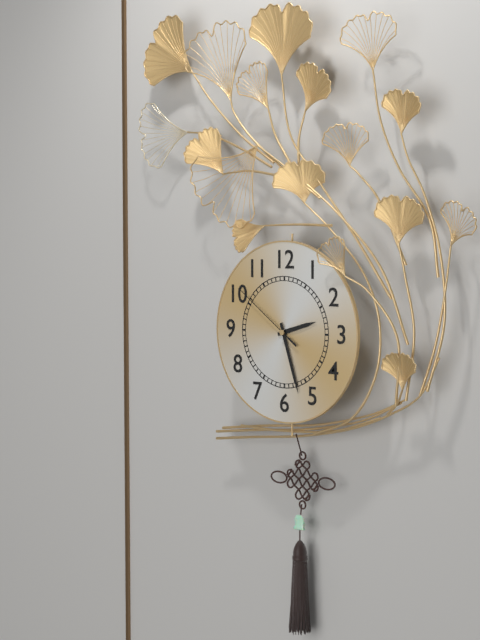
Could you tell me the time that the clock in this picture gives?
2:27:51
